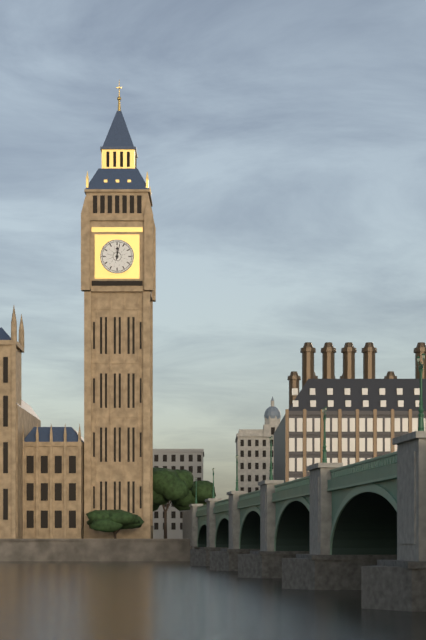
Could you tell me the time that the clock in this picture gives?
12:02
